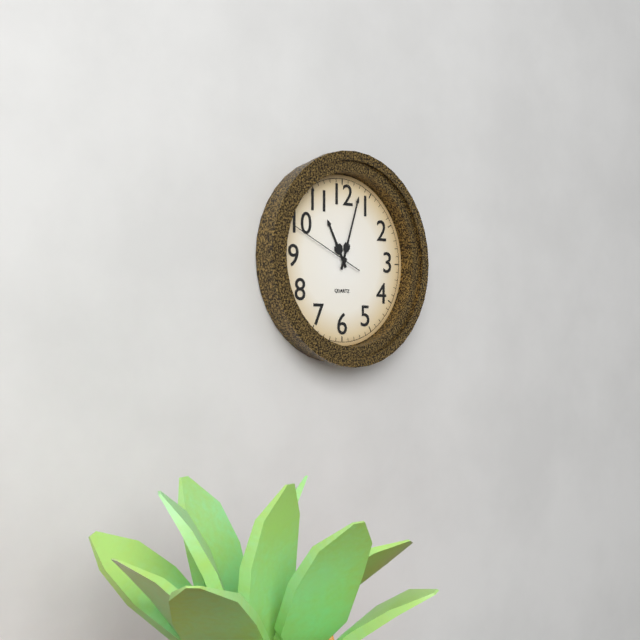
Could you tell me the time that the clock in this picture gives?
11:03:49
